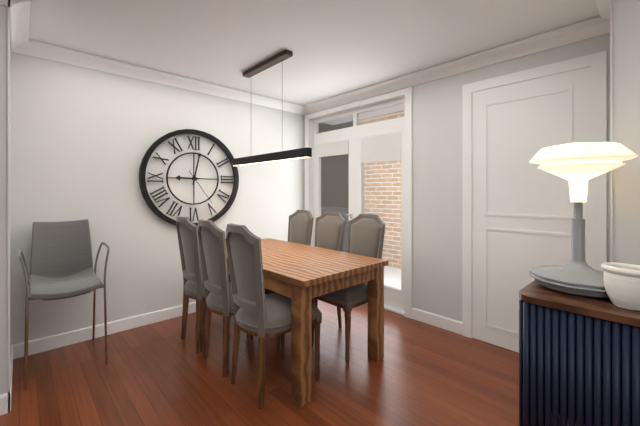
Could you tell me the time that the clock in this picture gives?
9:02
